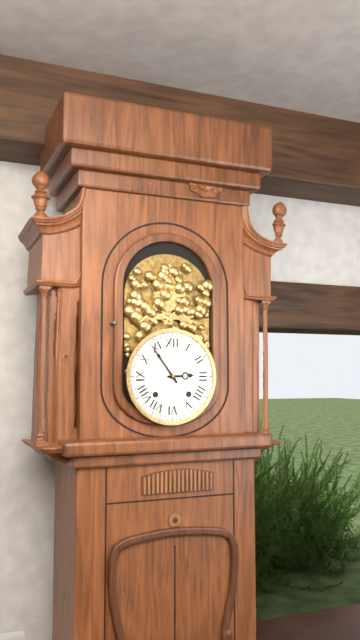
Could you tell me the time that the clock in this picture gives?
2:54
